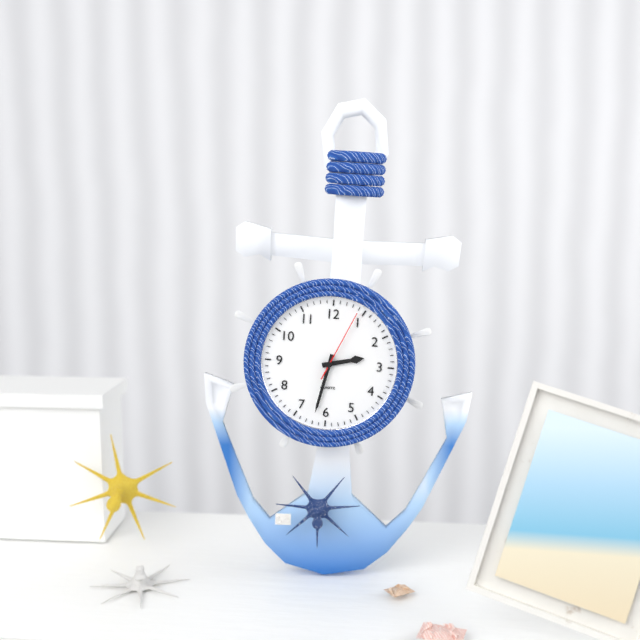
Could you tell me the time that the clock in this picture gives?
2:32:04
